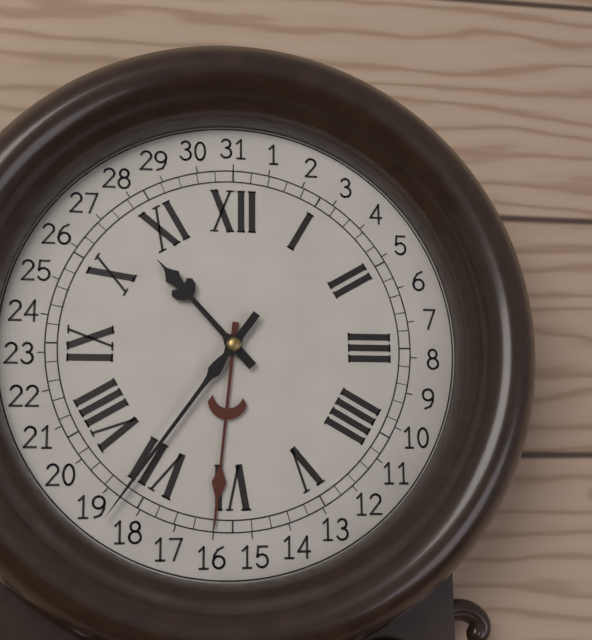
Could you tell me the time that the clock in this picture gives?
10:36
